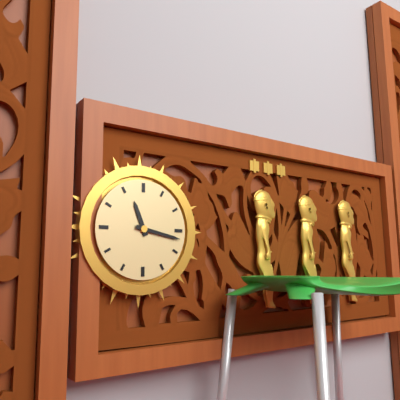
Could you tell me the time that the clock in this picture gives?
11:17
